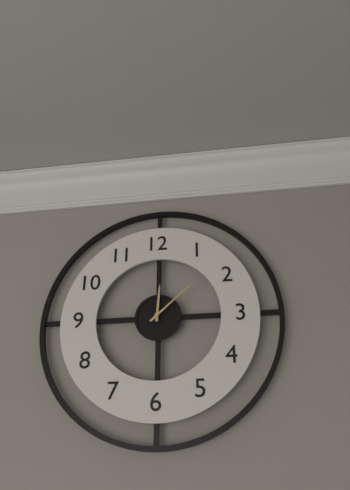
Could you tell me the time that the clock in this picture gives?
12:08
